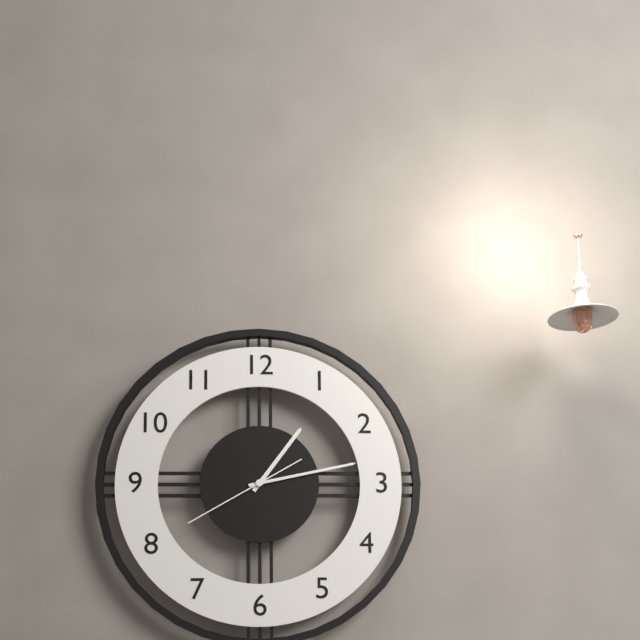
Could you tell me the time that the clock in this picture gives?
1:13:40
